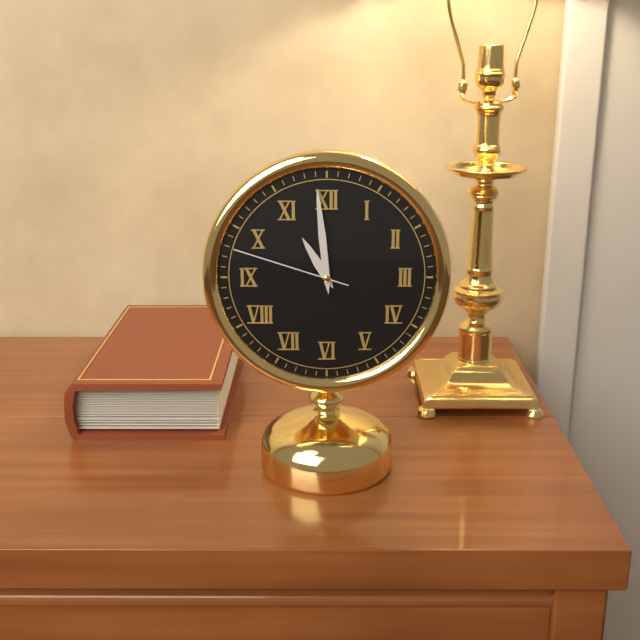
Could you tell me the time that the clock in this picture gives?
10:59:48
